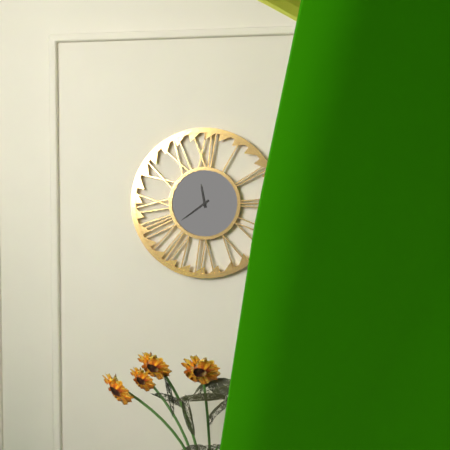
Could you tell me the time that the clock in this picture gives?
11:39
